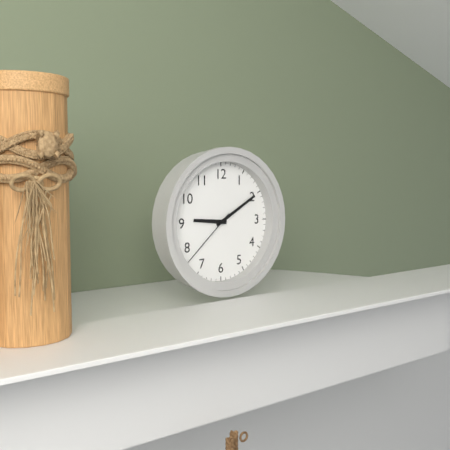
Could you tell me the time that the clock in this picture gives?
9:10:38
